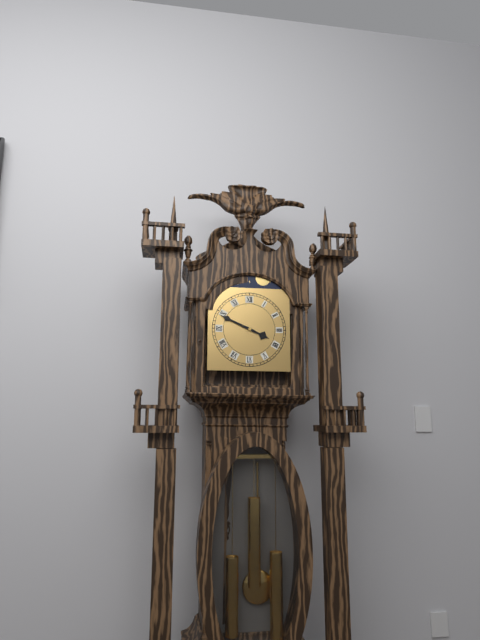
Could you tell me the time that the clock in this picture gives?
3:49
